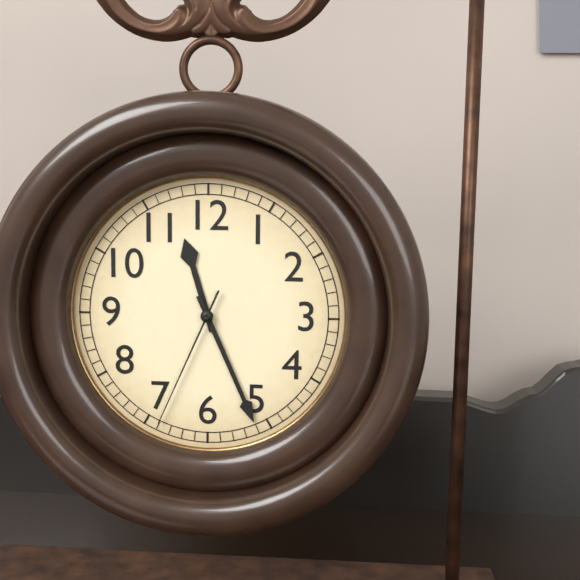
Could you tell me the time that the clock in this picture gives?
11:26:34
